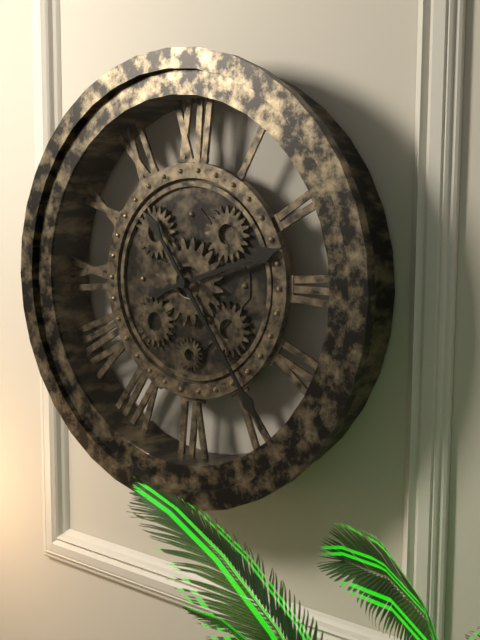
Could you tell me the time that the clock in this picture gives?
2:24
